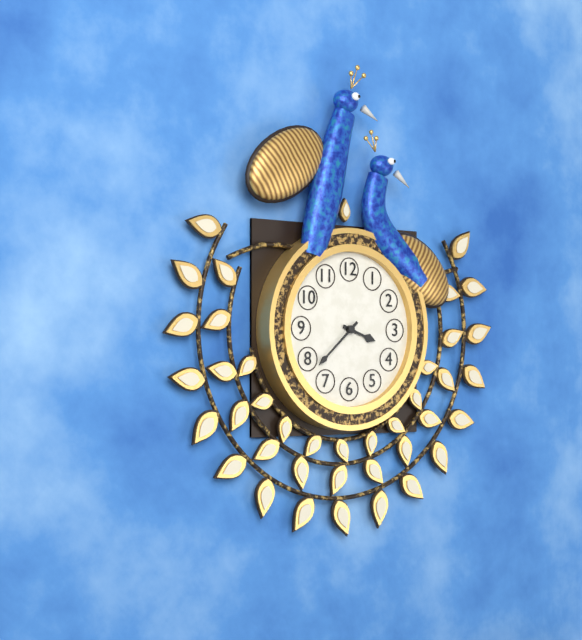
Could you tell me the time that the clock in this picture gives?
3:38
